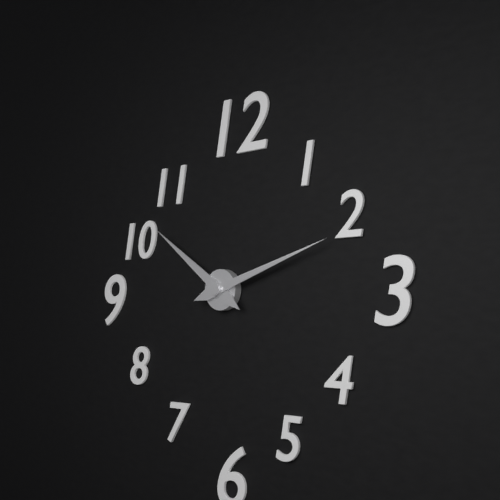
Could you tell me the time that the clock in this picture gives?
10:12
